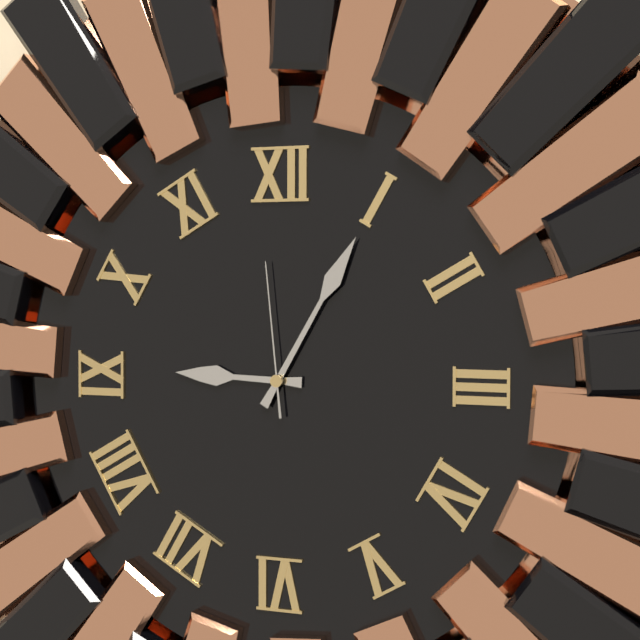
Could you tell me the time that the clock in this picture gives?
9:05:59
